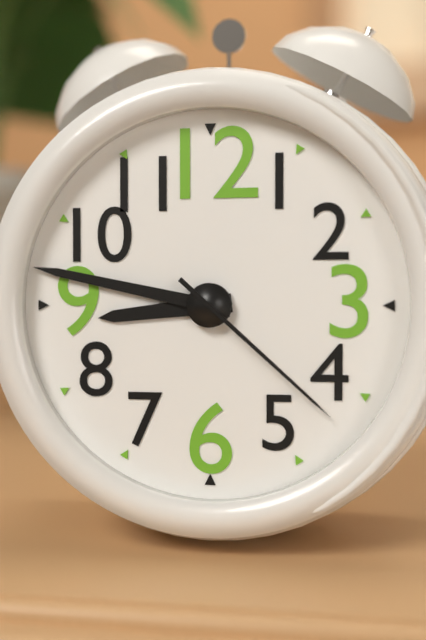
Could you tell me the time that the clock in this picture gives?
8:47:22
